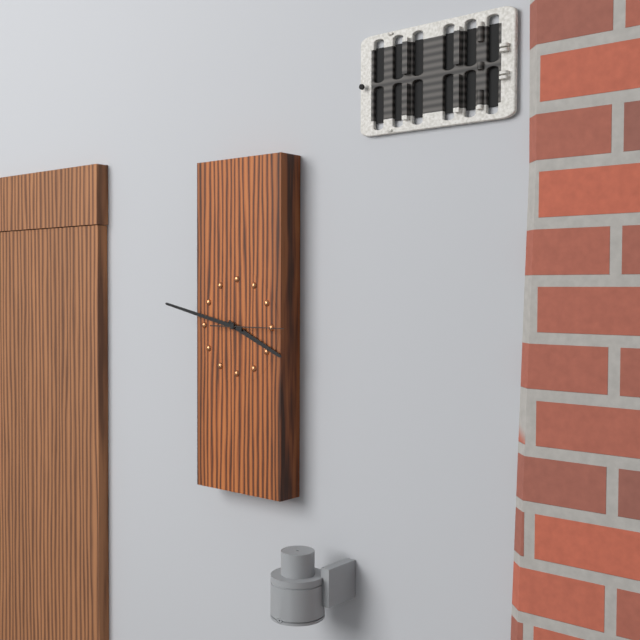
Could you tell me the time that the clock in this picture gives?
3:47:15
